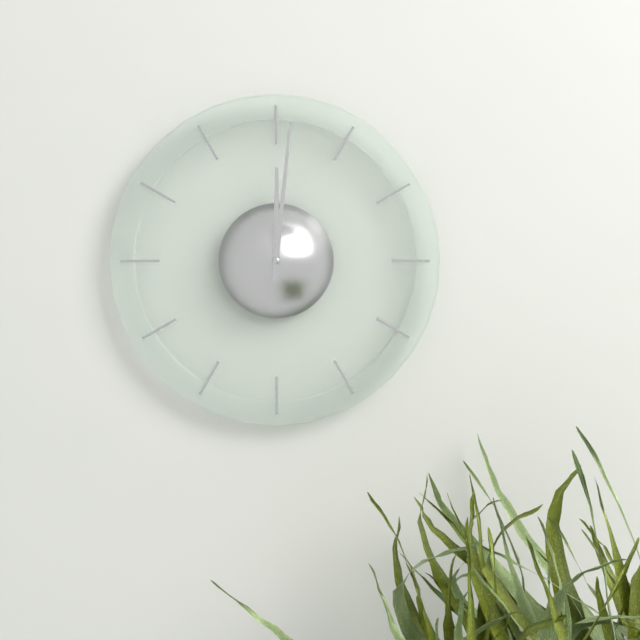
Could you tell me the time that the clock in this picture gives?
12:01
